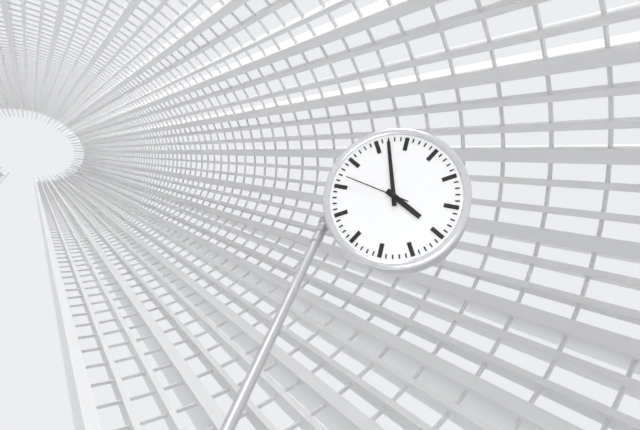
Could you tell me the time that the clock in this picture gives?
3:57:47
